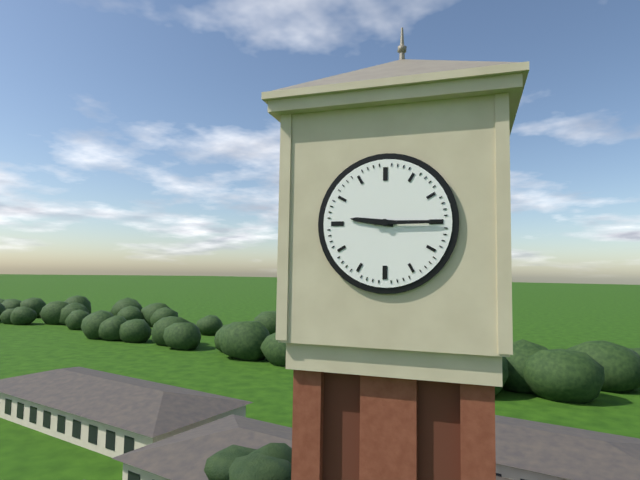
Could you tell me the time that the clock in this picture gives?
9:15
